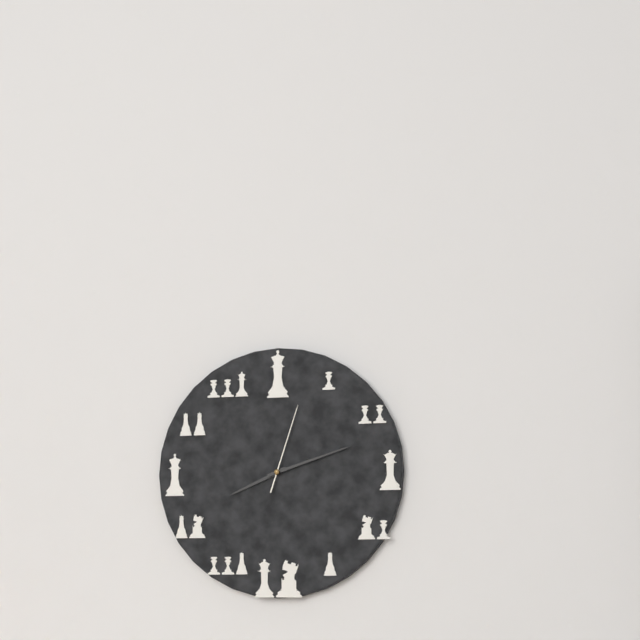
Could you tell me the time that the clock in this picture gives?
8:12:03
